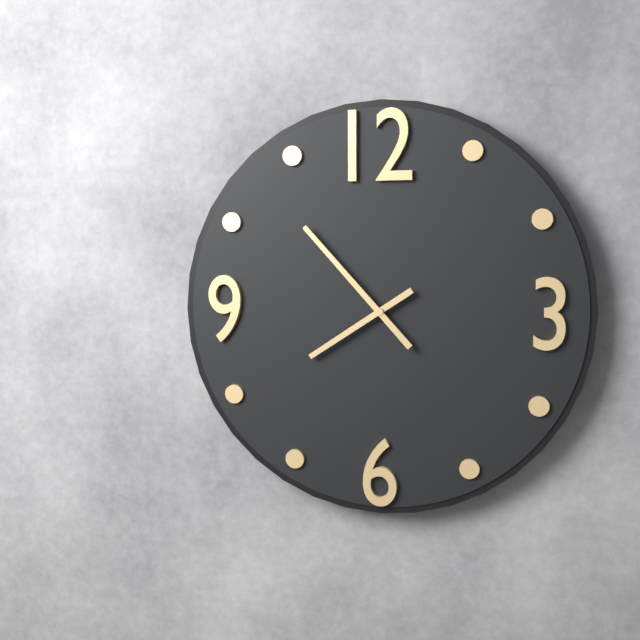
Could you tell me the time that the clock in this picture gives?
7:53
